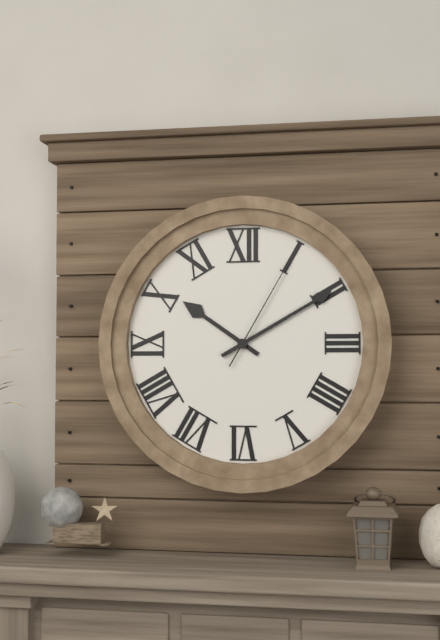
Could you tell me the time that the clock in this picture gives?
10:10:05
